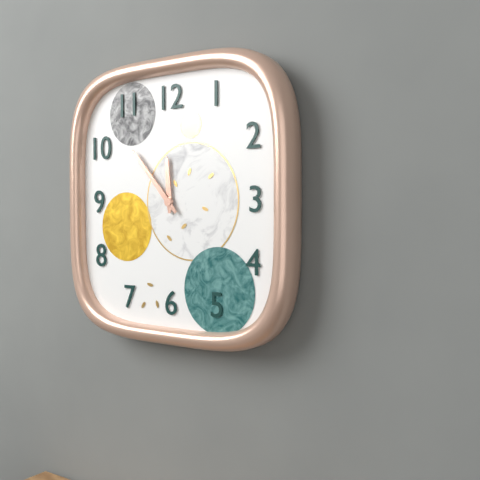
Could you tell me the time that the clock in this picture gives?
11:53
